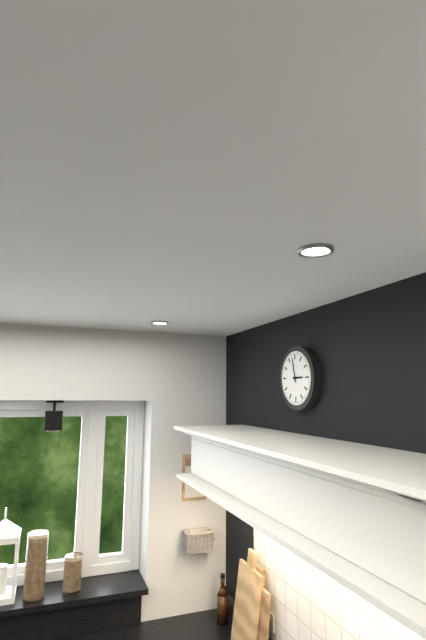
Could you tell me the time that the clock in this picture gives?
2:58
